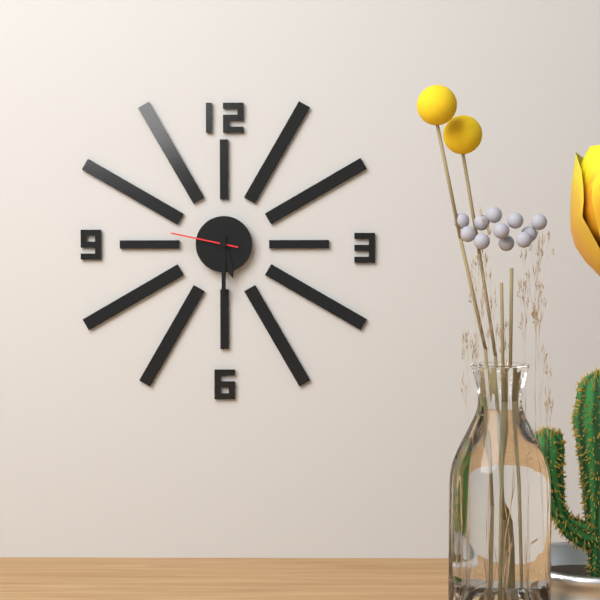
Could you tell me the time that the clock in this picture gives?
5:30:47
